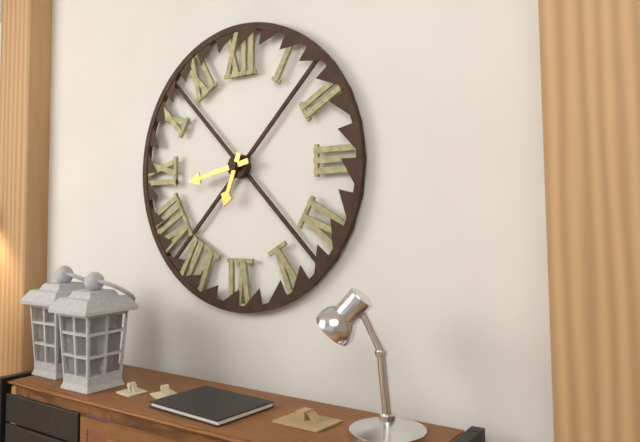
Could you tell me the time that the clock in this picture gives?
6:43
